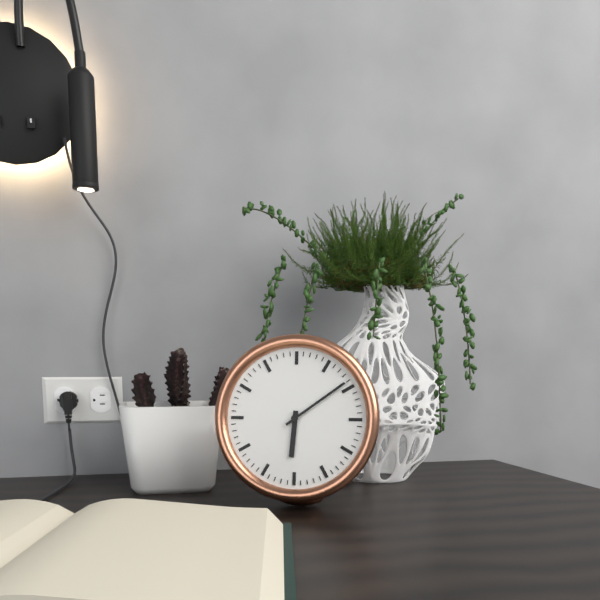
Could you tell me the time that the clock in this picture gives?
6:09
